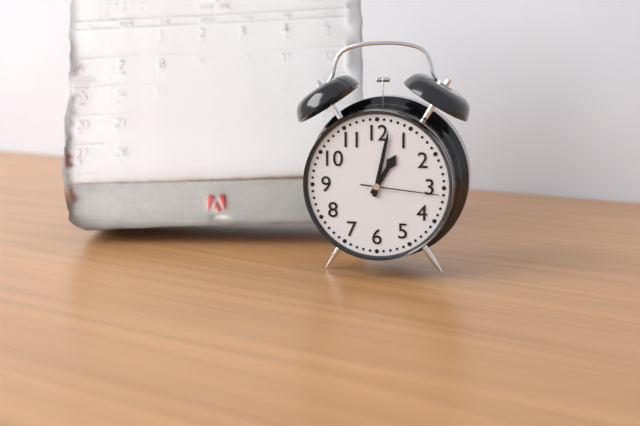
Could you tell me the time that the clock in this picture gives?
1:02:16
